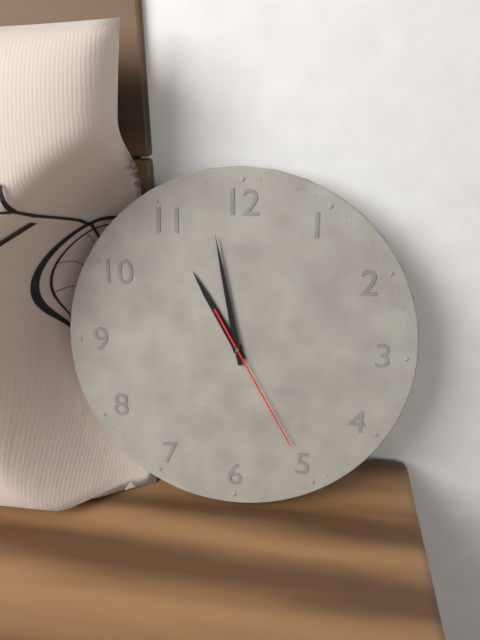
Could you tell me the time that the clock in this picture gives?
10:58:25
